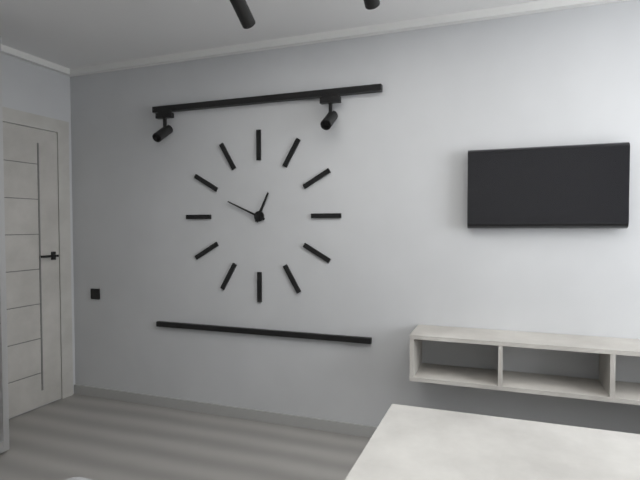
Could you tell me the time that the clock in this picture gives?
12:49
